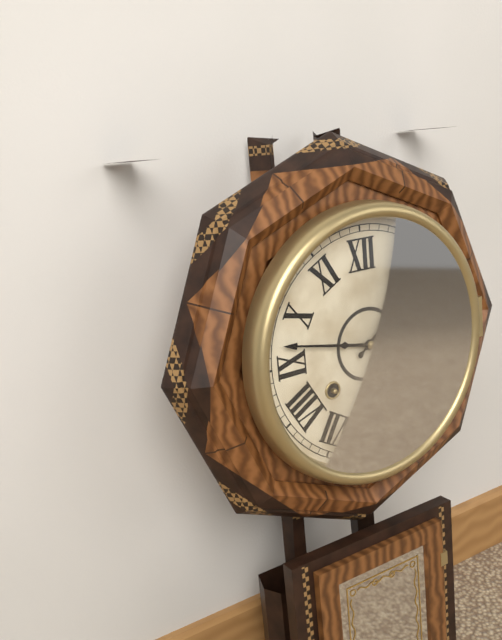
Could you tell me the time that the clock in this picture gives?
1:47
